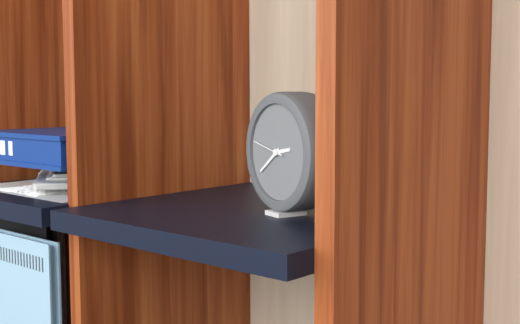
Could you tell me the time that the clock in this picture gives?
2:39
